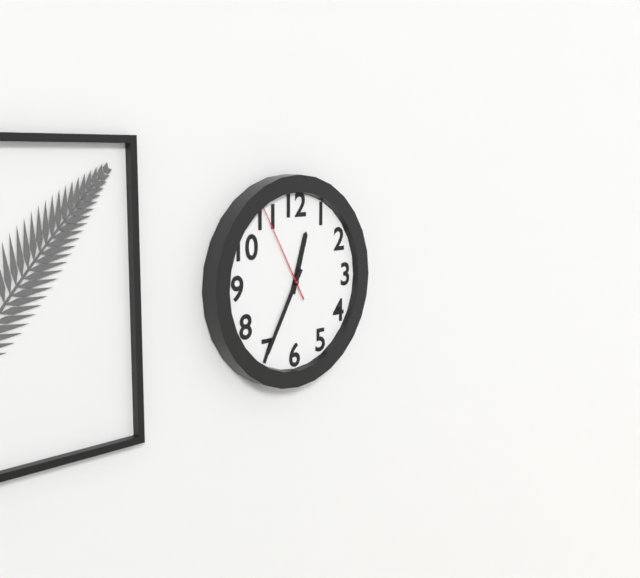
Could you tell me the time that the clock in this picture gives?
12:35:55
